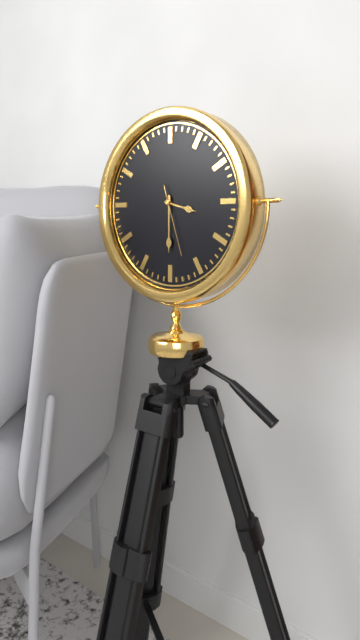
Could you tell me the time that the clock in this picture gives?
3:30:27
